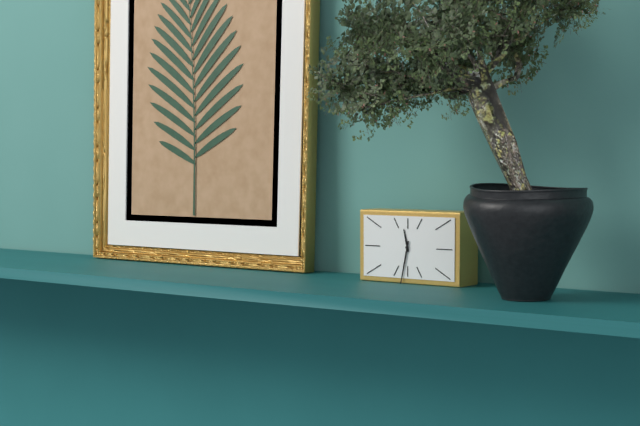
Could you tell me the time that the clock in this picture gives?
11:32
